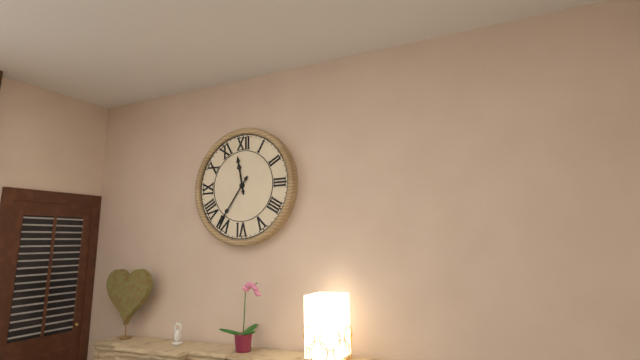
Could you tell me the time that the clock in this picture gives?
11:36
